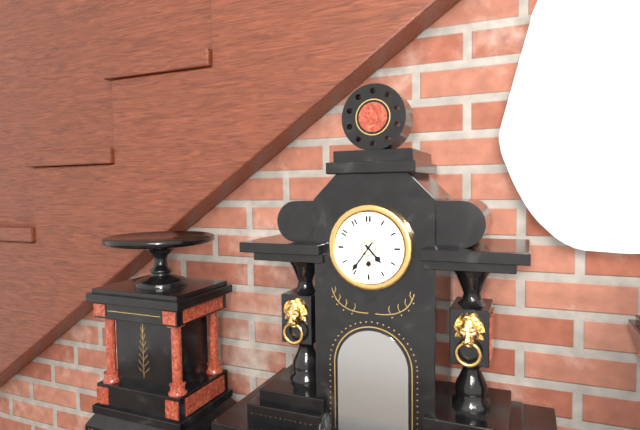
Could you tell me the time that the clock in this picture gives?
4:36
